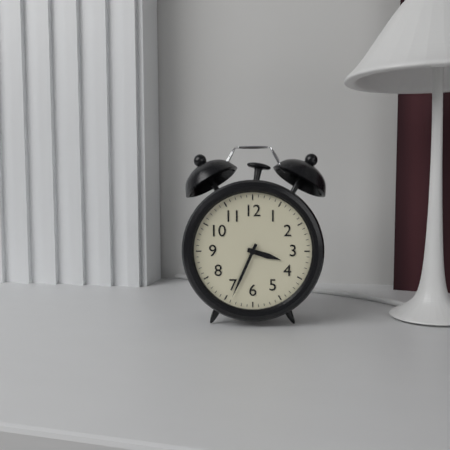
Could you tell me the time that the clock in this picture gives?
3:34
